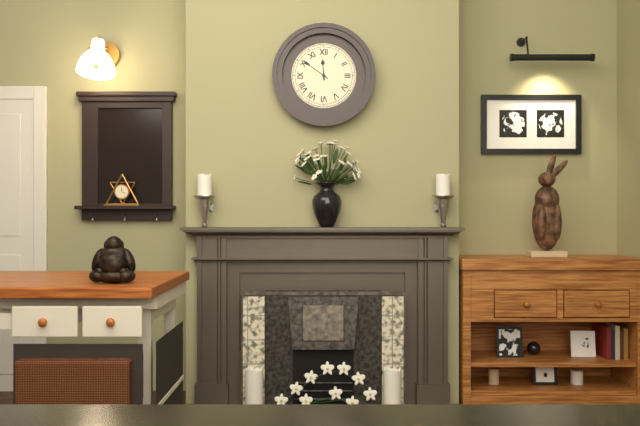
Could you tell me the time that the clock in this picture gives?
11:51
